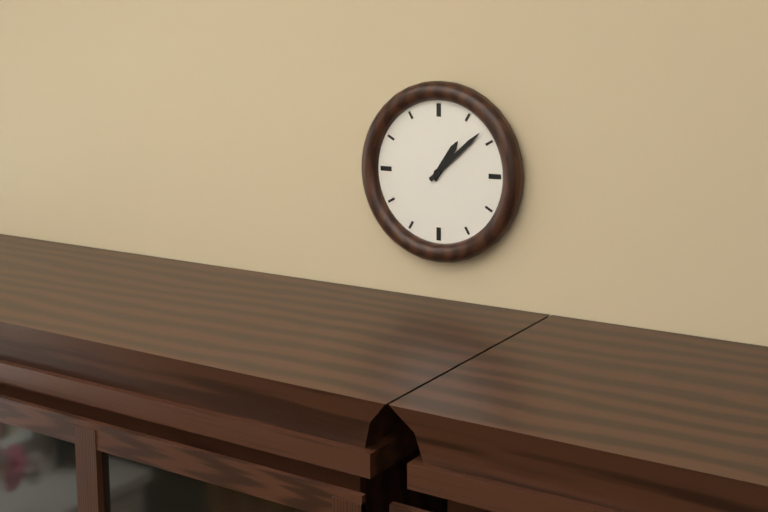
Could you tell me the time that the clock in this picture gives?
1:08
